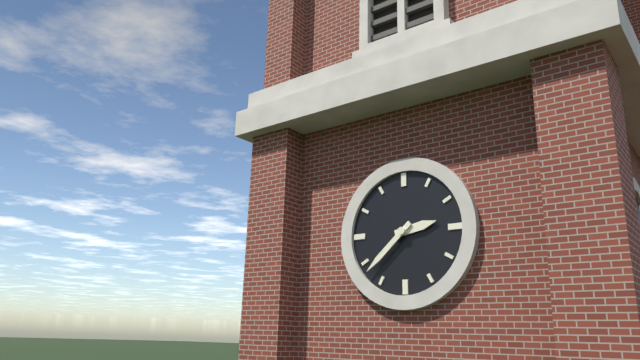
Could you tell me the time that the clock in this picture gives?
2:38
